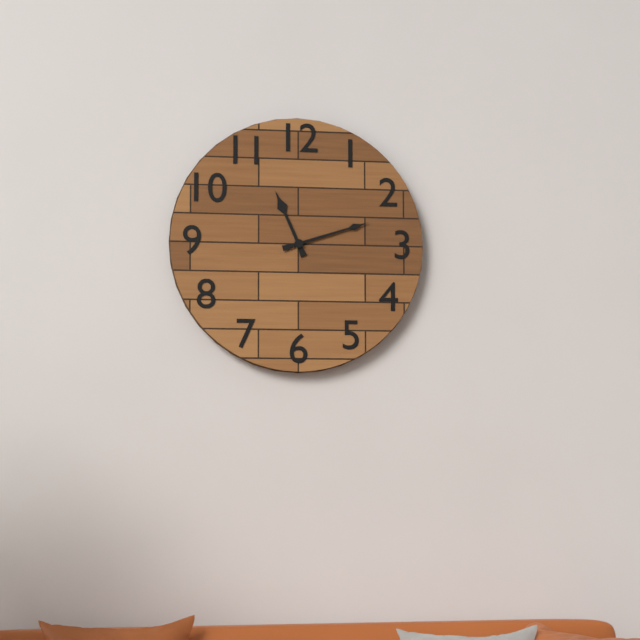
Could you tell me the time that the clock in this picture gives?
11:12
